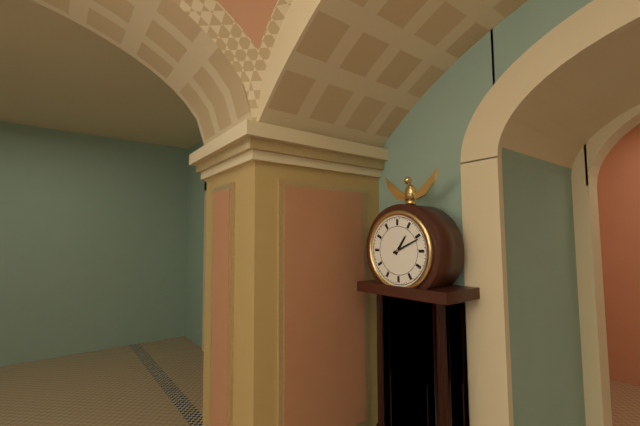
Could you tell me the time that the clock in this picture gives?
1:11
